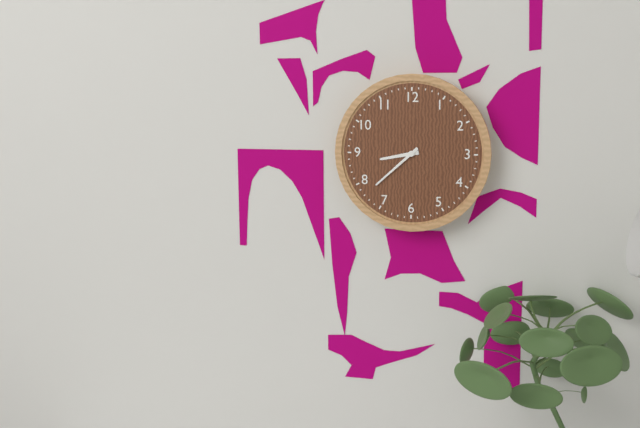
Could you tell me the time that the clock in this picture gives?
8:38
